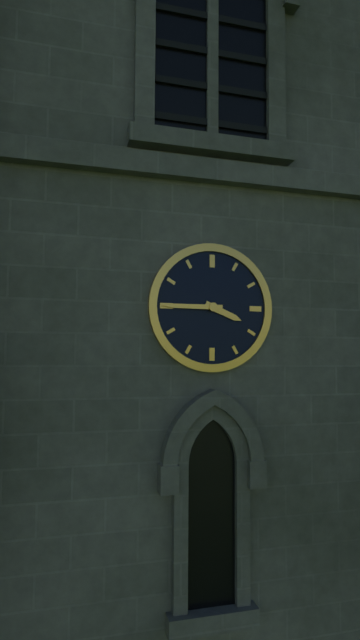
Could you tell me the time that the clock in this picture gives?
3:45
